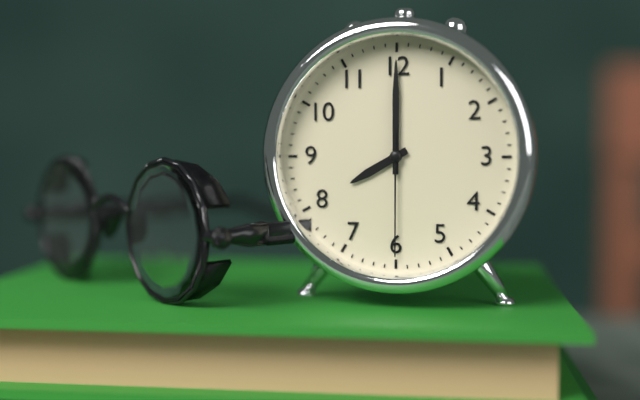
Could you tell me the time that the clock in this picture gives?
8:00:30
